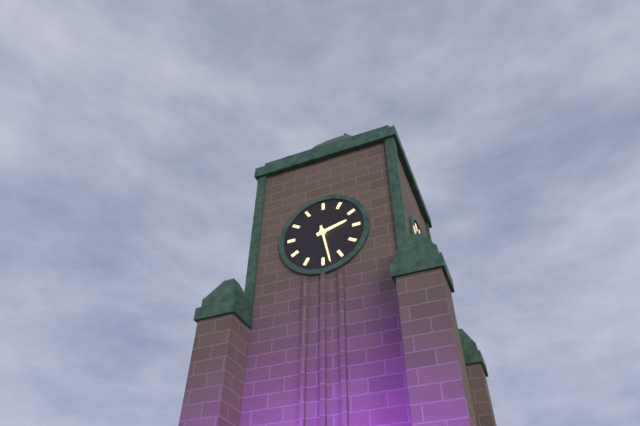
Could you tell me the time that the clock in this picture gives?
2:28
